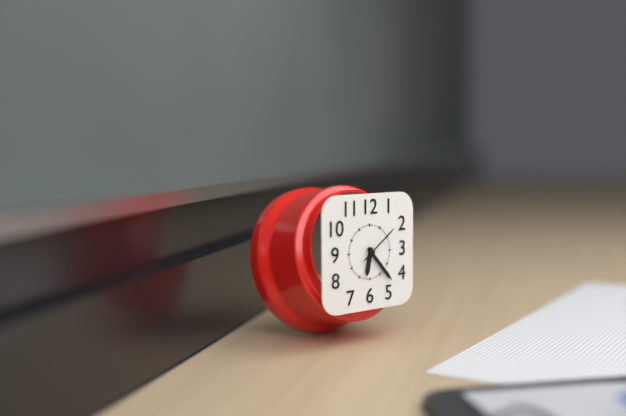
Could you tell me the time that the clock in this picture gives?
6:23
